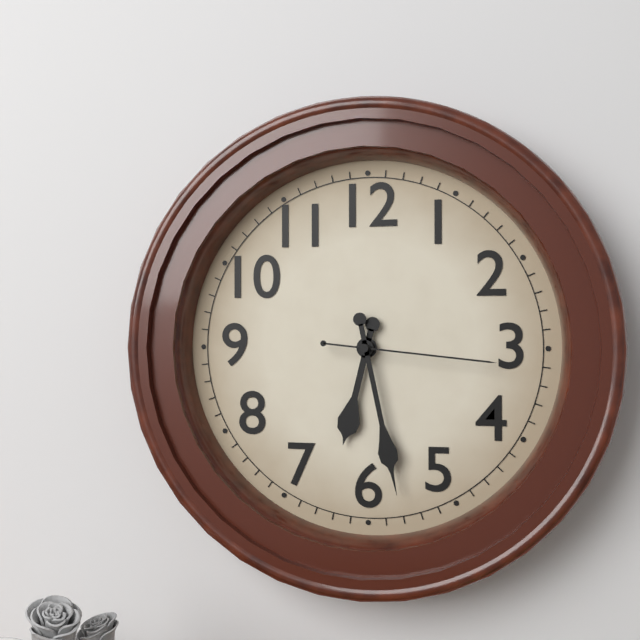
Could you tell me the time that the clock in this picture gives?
6:28:16
